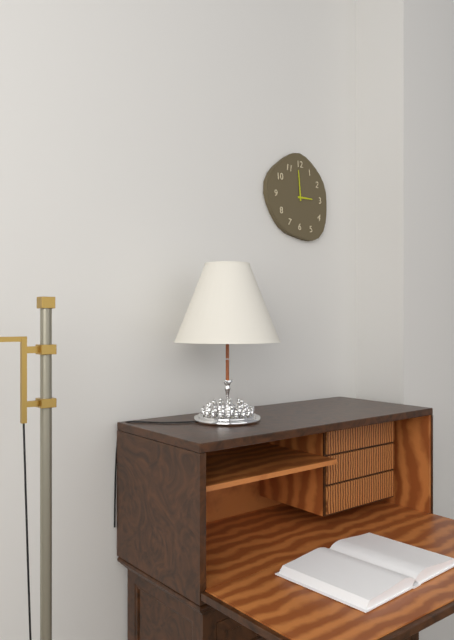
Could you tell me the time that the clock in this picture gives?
2:59
